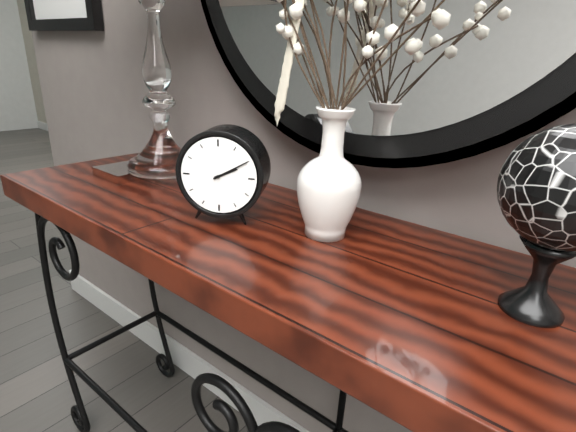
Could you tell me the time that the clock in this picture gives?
2:10
